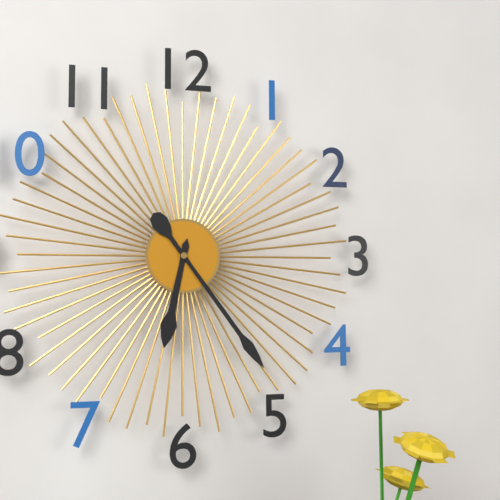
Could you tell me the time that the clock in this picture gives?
6:24
